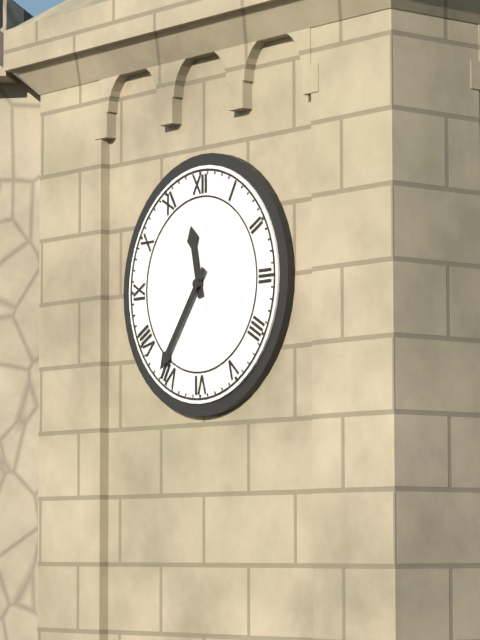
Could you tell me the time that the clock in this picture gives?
11:36
